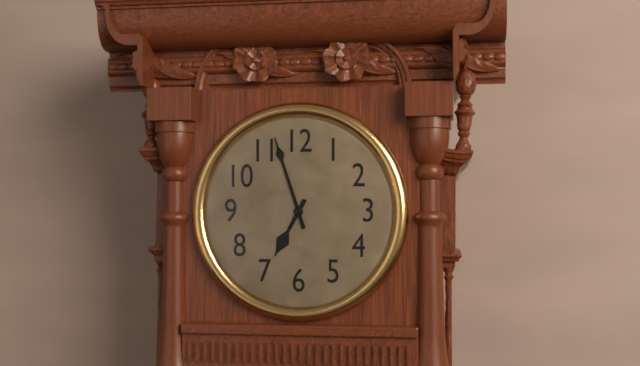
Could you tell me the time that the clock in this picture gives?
6:57
